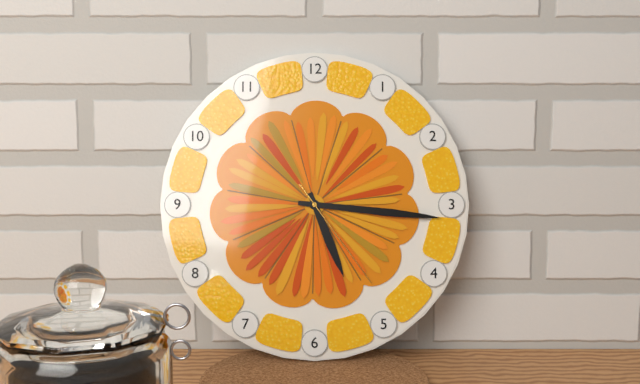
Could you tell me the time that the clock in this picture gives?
5:16:24
